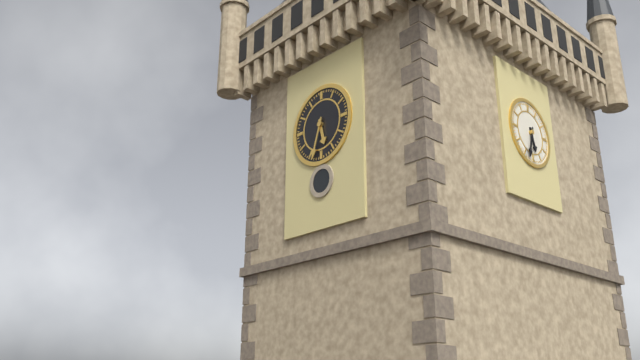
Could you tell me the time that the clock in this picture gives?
5:33
